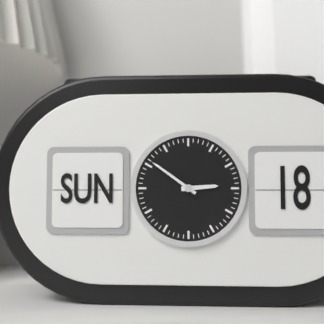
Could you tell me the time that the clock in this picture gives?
2:51
